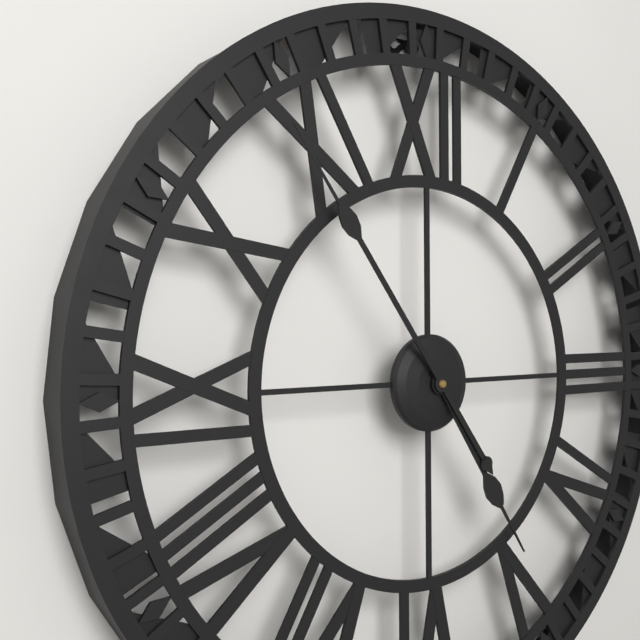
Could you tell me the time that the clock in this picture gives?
4:54
